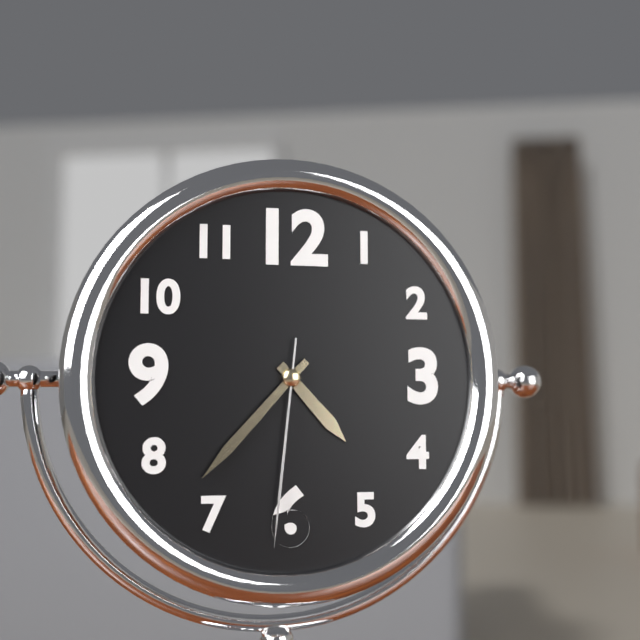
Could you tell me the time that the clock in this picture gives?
4:37:31
